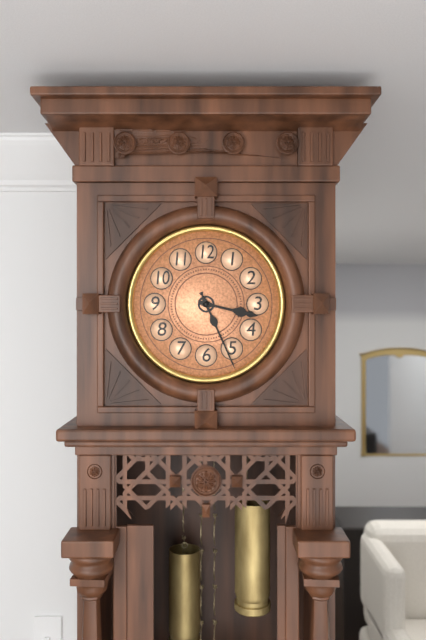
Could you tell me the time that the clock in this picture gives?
3:26
